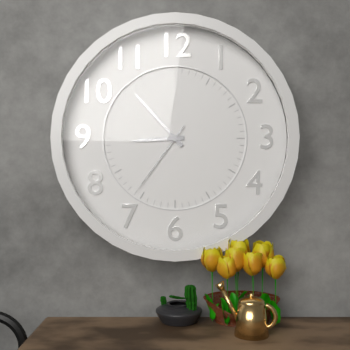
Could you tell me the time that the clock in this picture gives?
8:53:36
